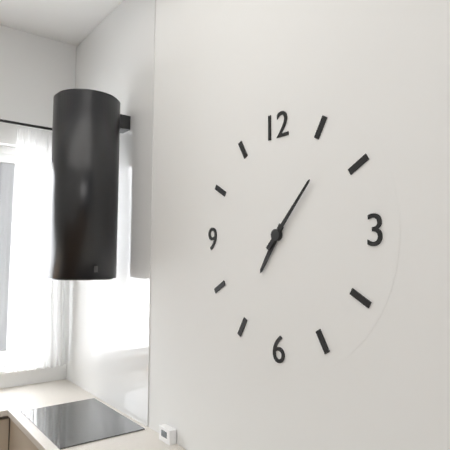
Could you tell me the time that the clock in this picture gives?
7:07
